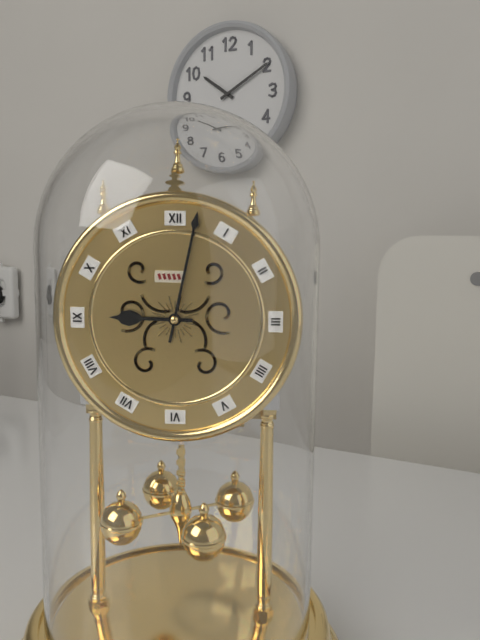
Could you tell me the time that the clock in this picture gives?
9:02
